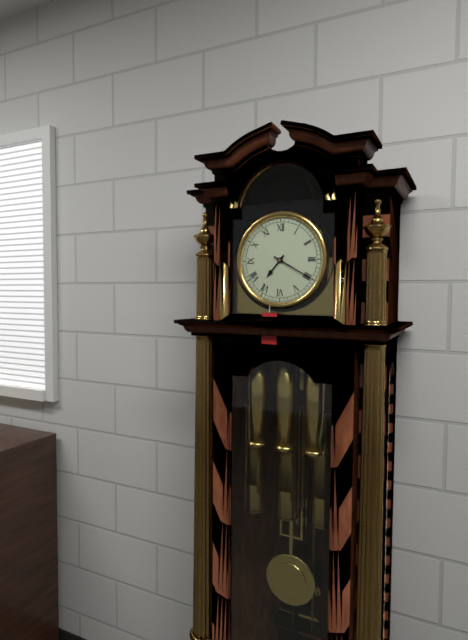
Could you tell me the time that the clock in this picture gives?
7:20
